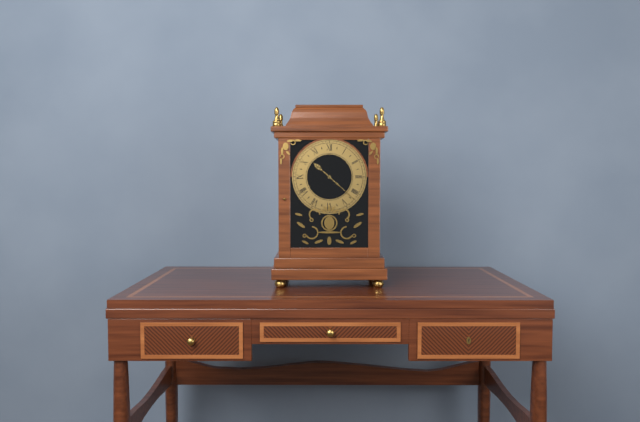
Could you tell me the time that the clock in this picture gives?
10:22
